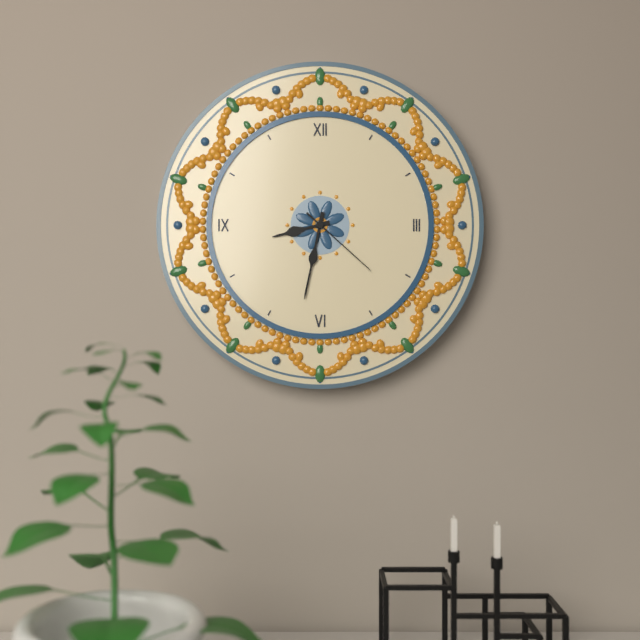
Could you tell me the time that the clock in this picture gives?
8:32:22
